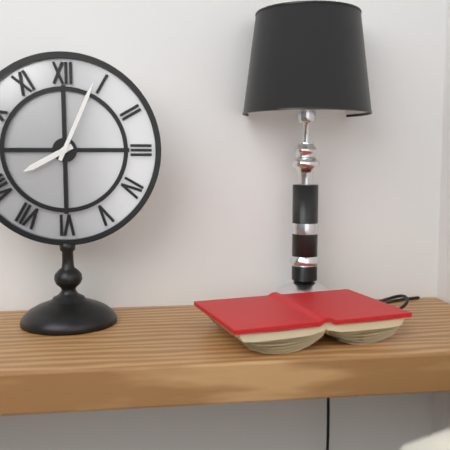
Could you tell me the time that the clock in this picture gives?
8:04
